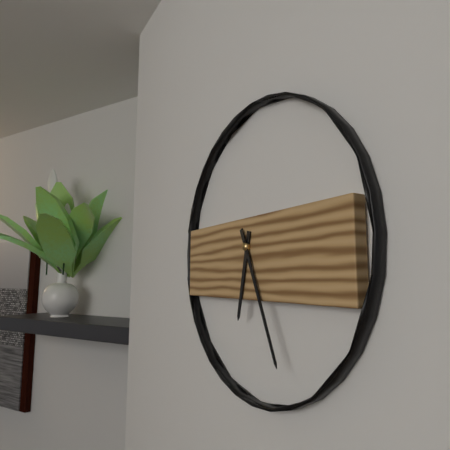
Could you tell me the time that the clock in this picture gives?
6:26
